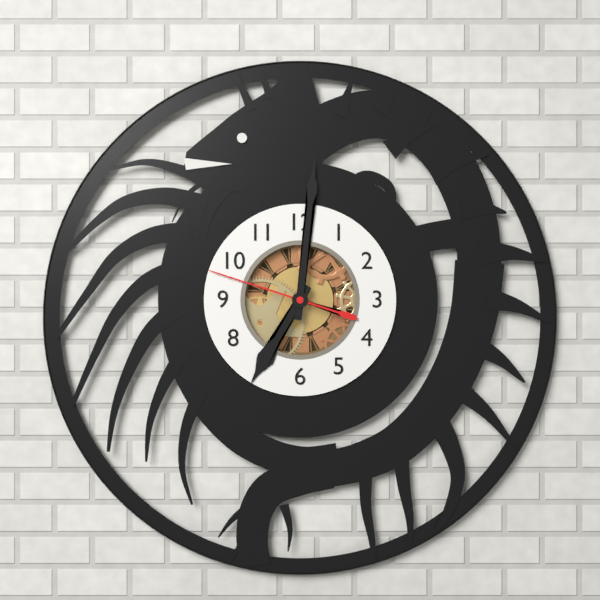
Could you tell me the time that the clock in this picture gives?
7:01:48
